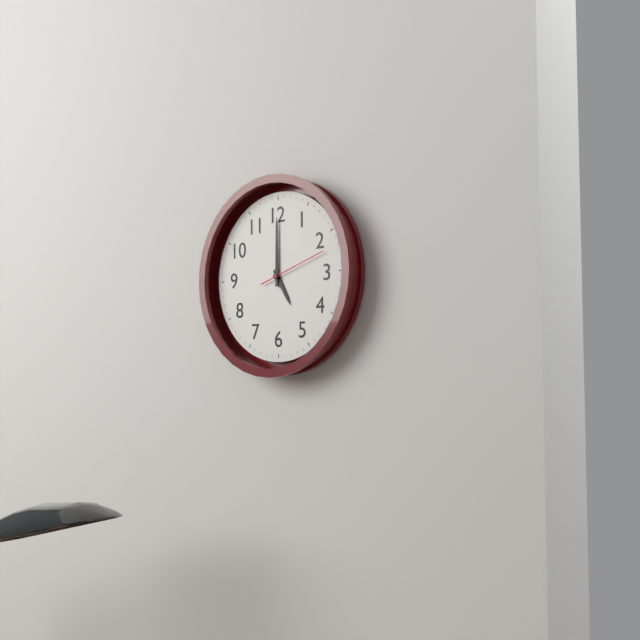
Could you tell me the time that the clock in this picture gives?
5:00:12
